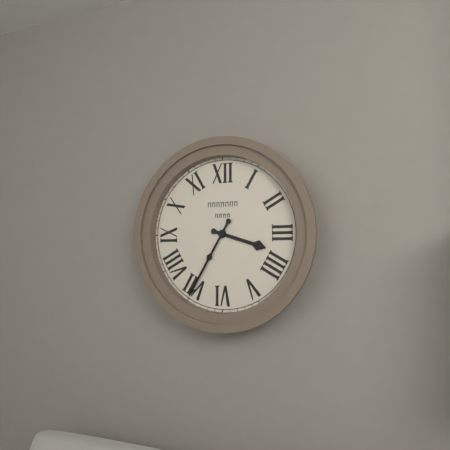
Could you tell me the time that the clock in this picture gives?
3:35
